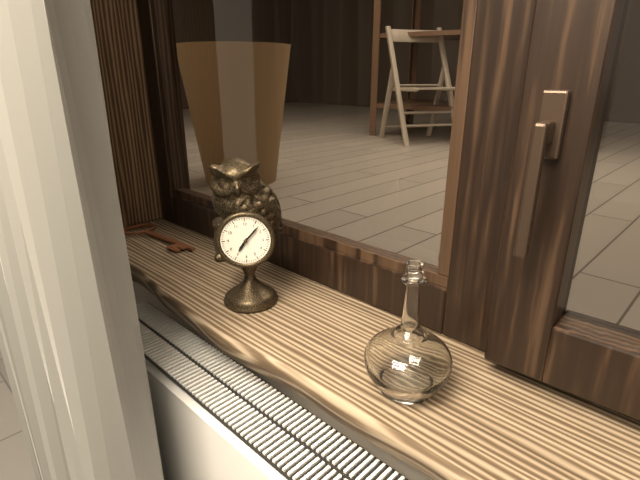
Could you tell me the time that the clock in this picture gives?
7:07
